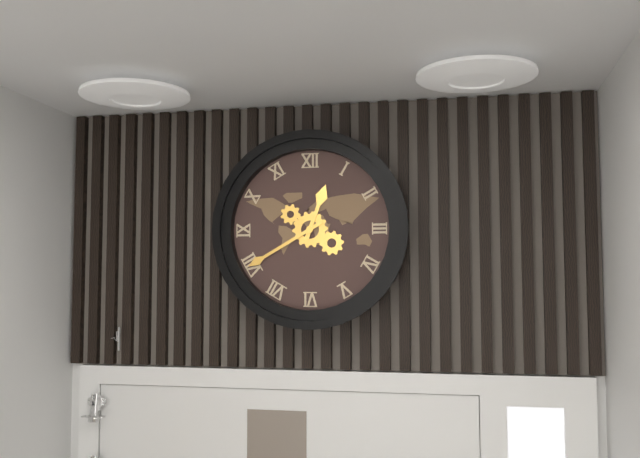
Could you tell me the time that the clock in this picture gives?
12:40
